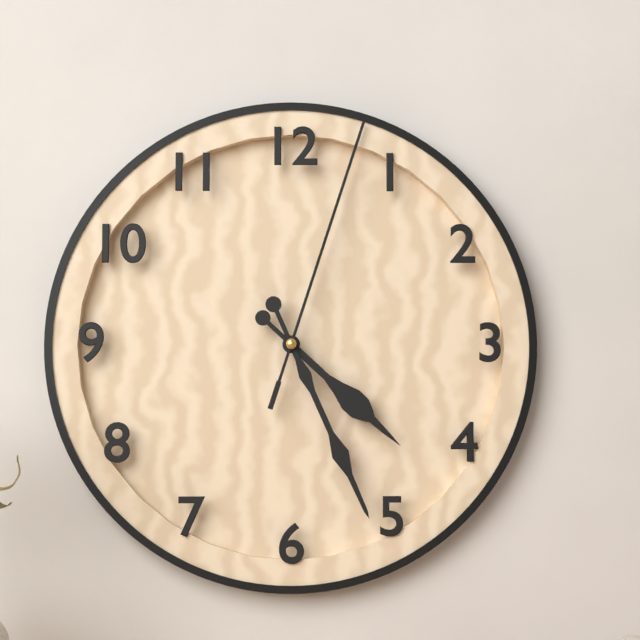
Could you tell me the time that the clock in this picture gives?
4:26:03
